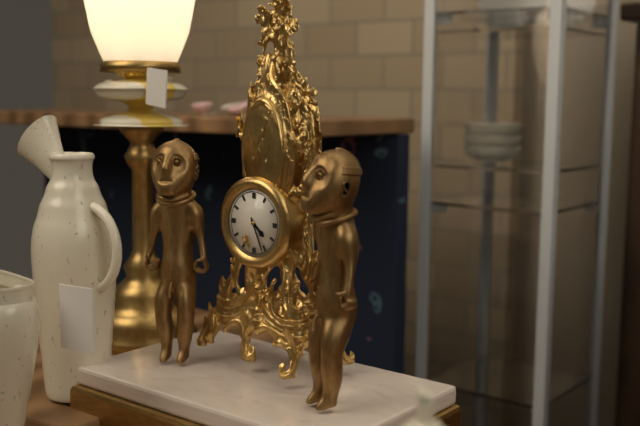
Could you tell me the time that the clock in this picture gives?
4:26
